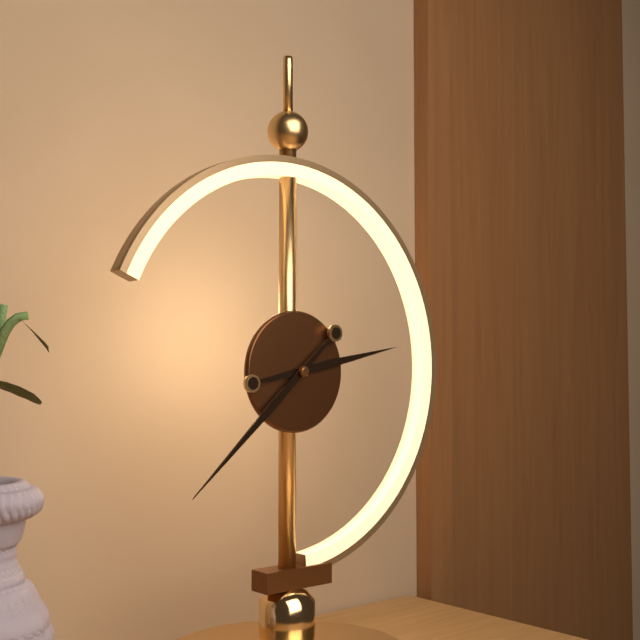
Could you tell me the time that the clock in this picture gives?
2:38
